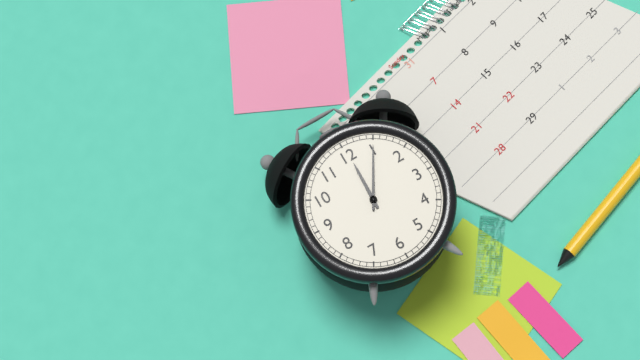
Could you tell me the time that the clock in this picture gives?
12:05
